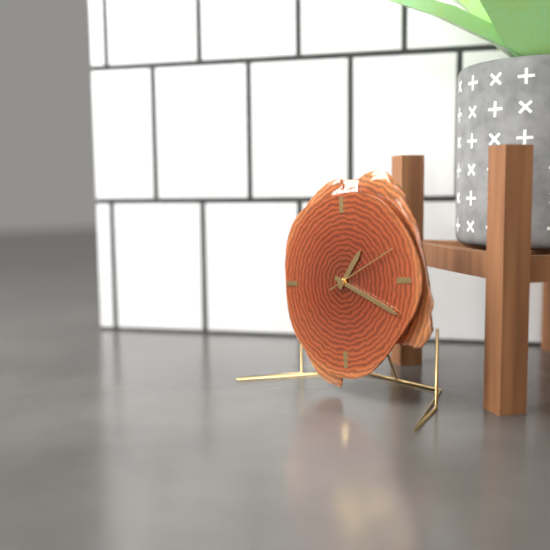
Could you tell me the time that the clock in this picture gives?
1:19:11
